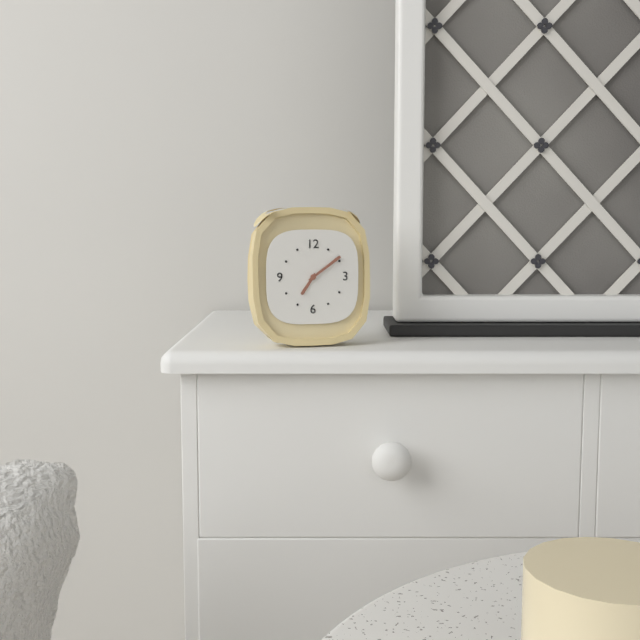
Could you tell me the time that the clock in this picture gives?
7:09
